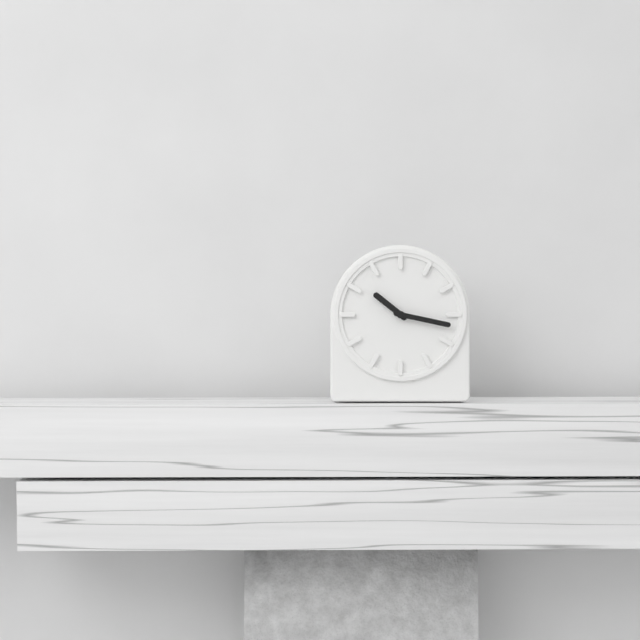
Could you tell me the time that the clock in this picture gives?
10:17
